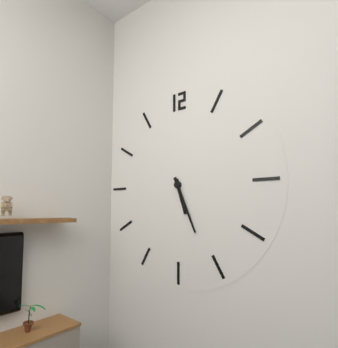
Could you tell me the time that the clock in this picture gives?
5:26
